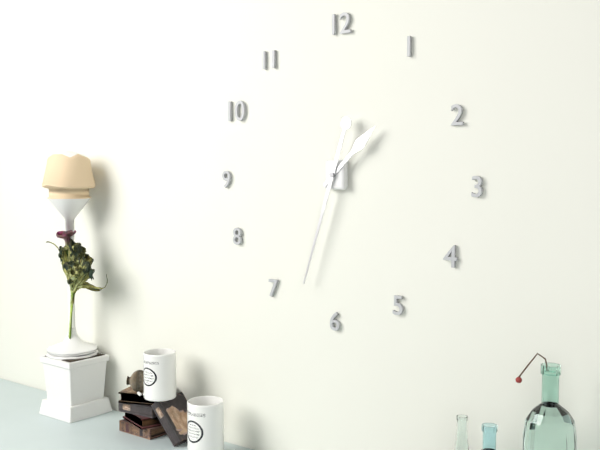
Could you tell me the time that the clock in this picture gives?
1:33
